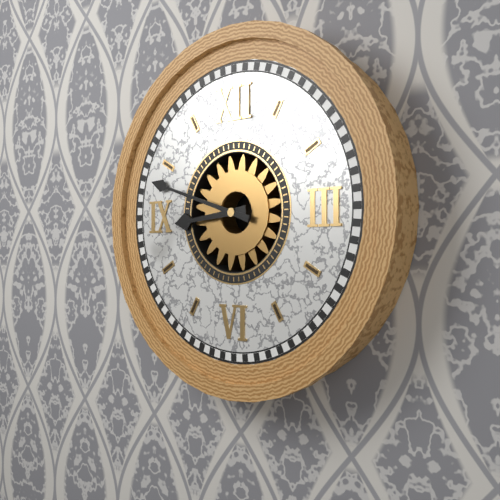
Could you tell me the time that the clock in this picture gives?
8:48
